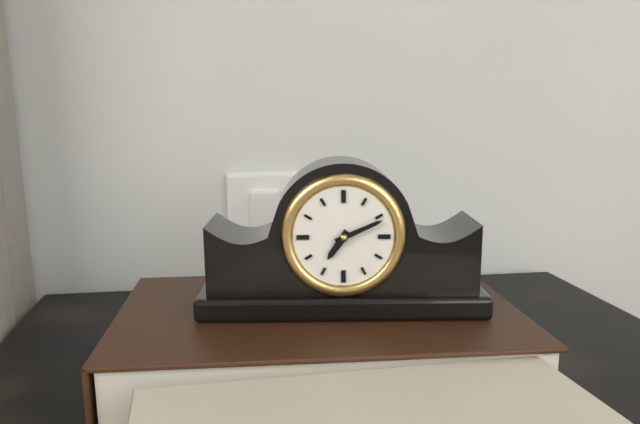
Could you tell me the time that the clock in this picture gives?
7:11
